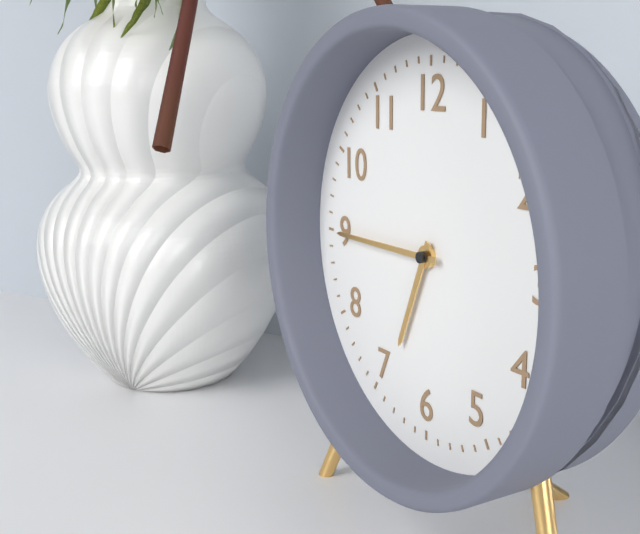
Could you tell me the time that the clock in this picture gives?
6:45
